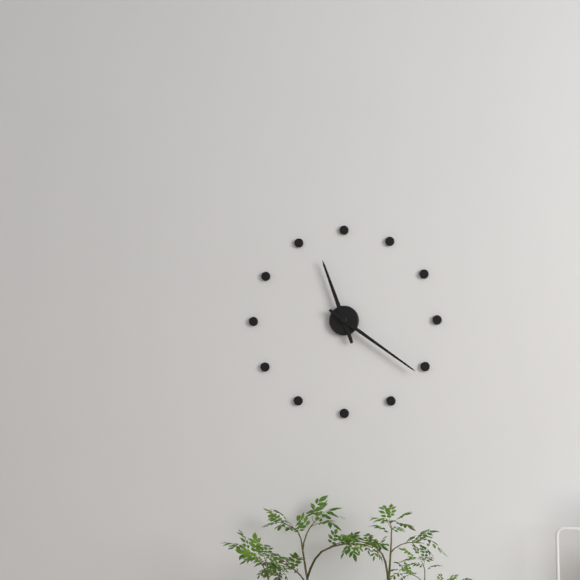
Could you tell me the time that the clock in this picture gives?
11:21
